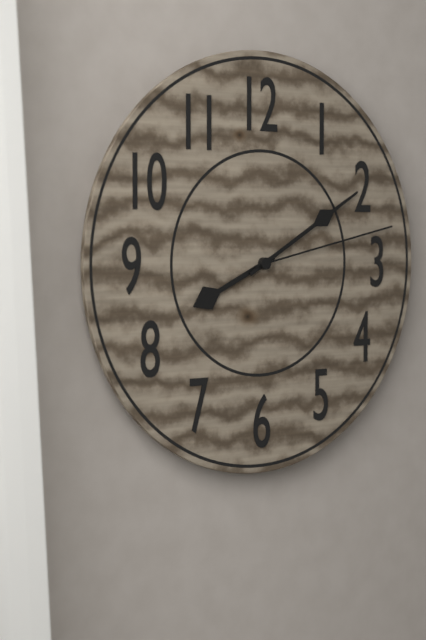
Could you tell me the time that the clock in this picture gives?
8:10:13
